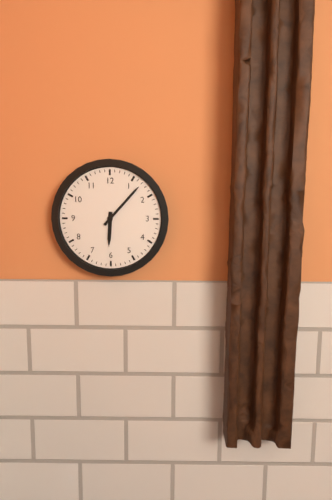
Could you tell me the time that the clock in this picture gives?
6:07
